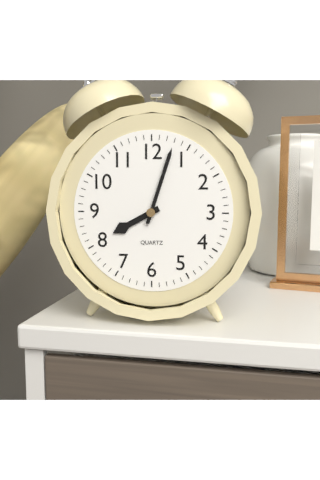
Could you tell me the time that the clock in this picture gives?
8:03
